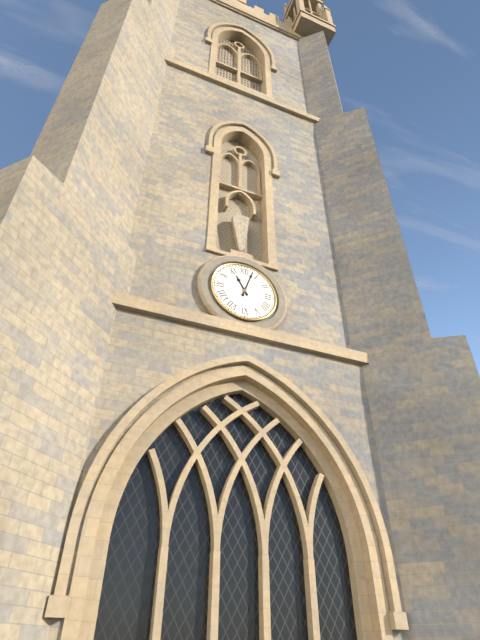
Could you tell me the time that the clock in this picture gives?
11:03
